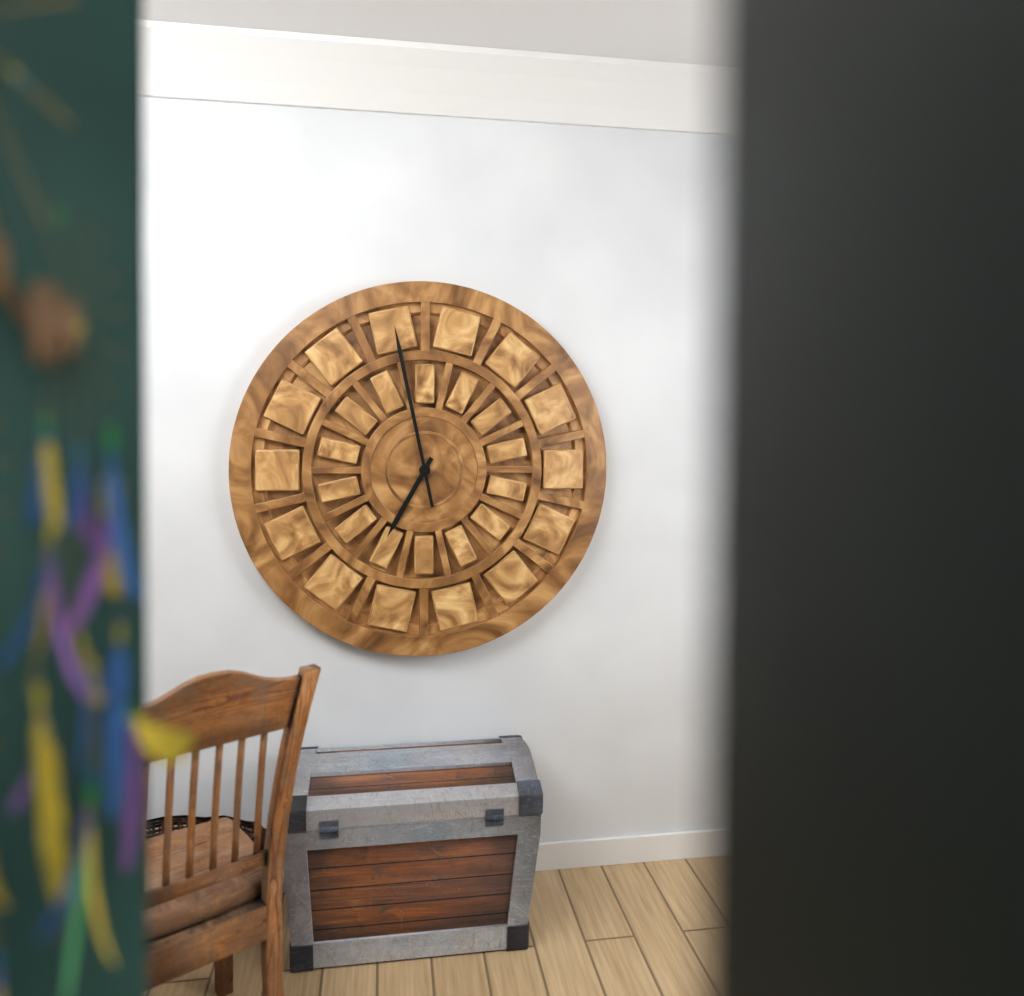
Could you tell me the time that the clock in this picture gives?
6:58
